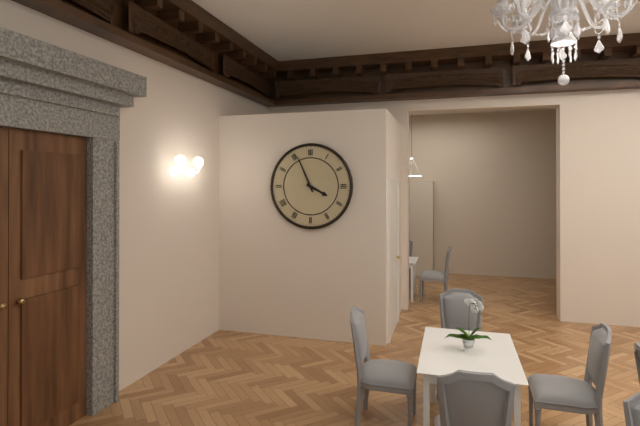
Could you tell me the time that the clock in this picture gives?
3:56
